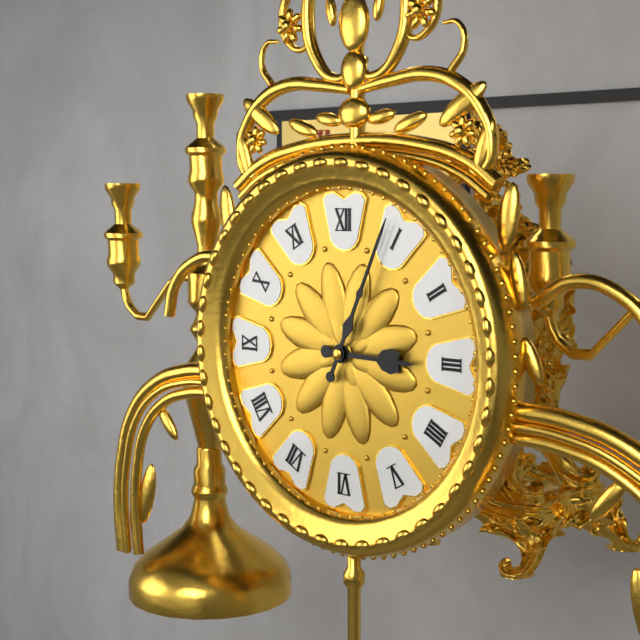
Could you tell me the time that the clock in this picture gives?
3:04
